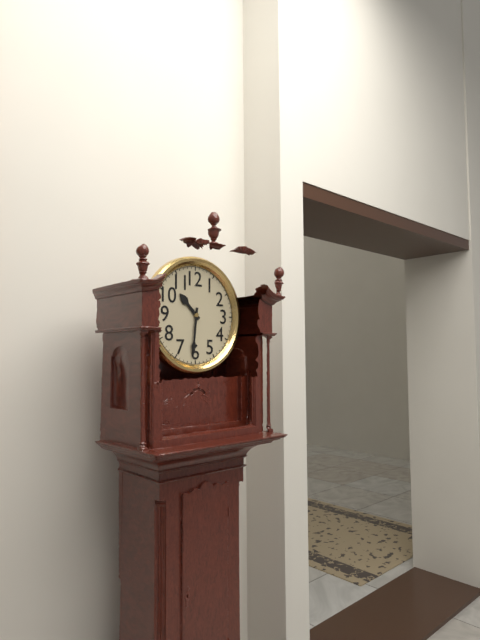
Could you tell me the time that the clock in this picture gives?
10:31
